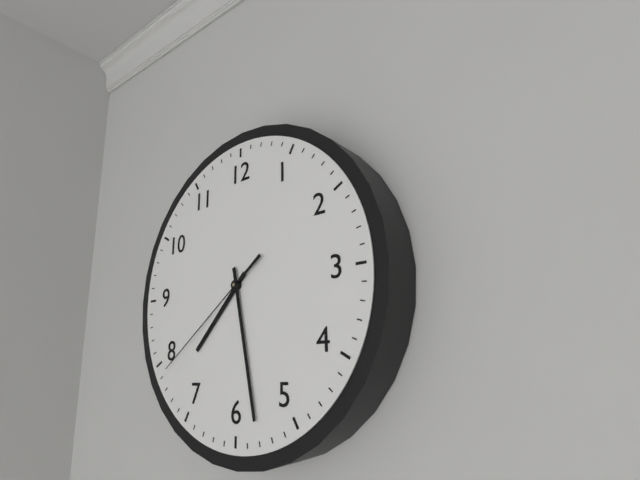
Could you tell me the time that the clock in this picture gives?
7:28:39
